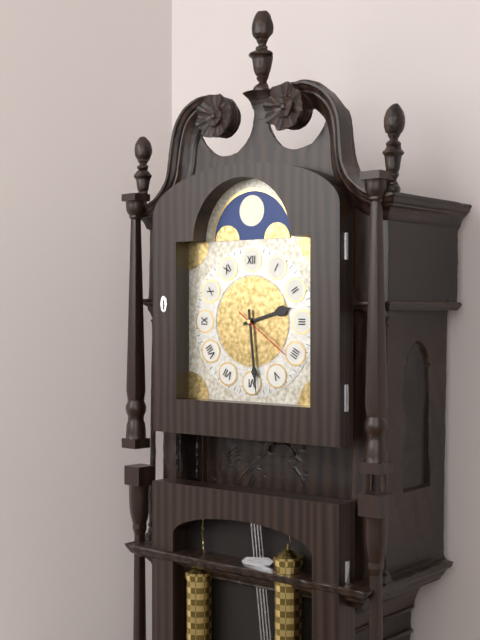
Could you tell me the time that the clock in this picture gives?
2:29:21
